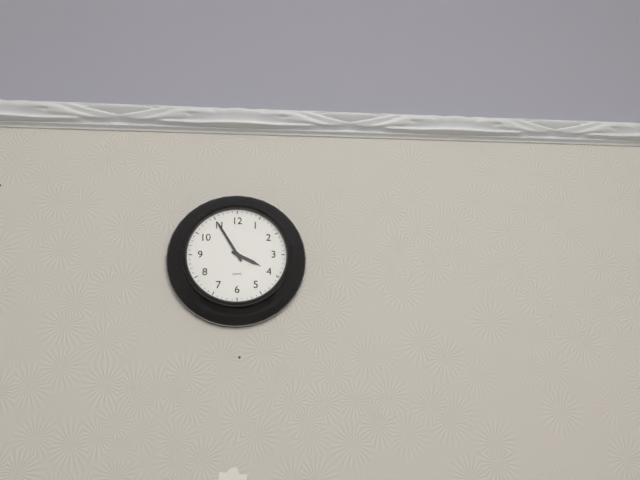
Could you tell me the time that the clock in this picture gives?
3:55
